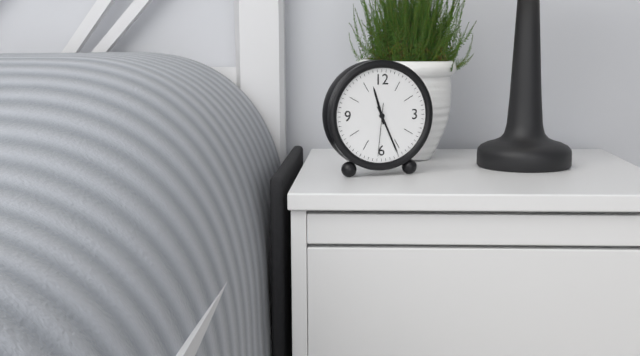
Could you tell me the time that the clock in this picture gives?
11:26:31
